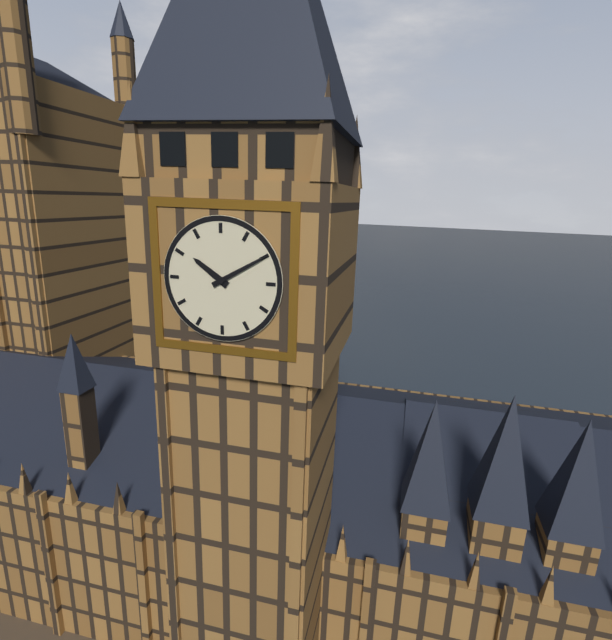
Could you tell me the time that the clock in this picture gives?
10:10
